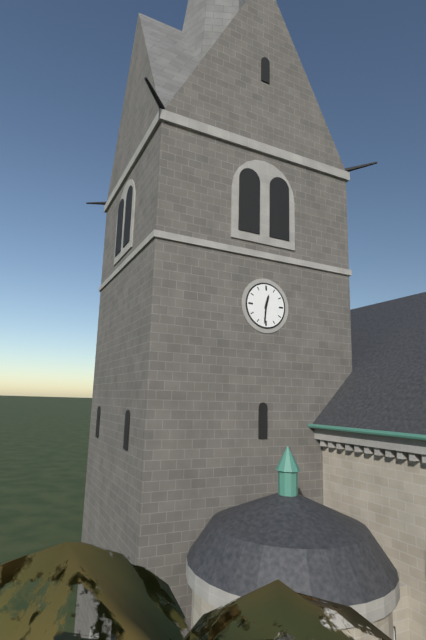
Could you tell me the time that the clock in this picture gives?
12:31
